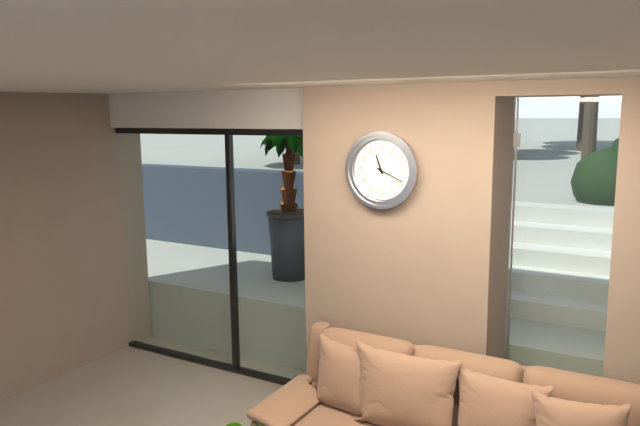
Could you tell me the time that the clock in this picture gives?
11:19
